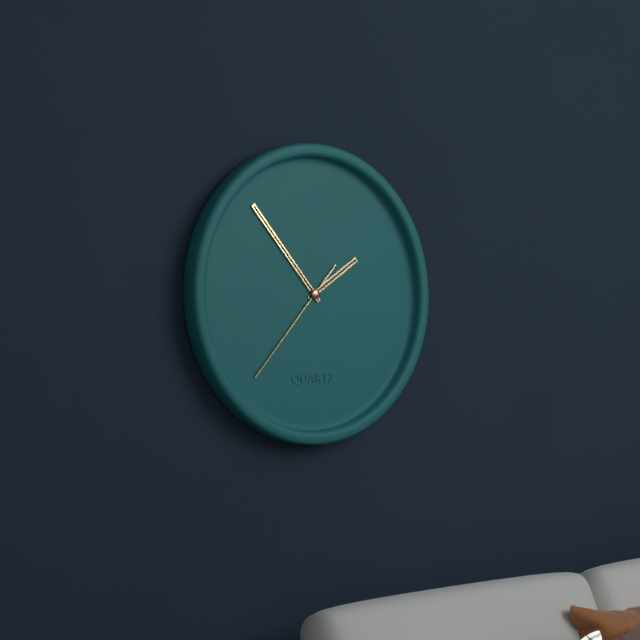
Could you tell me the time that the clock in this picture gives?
1:53:37
